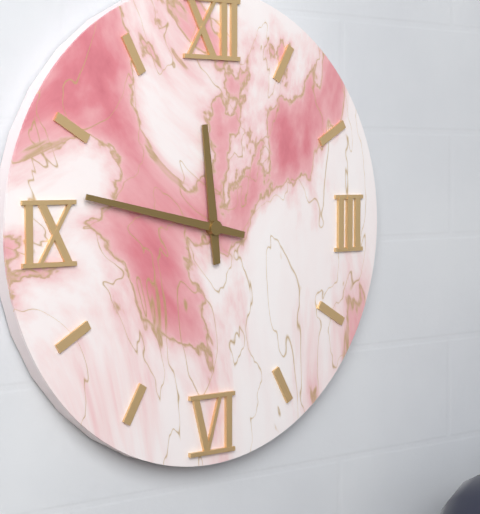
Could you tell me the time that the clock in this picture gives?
11:47
